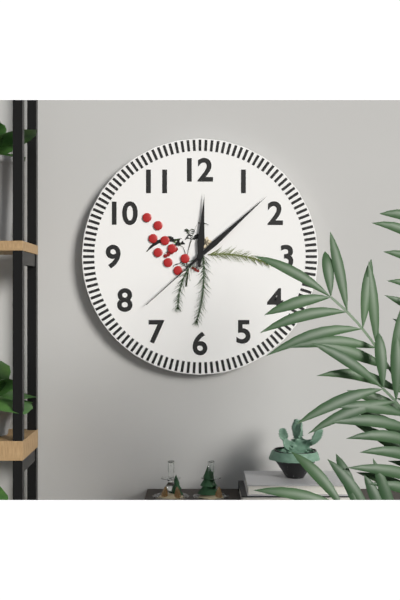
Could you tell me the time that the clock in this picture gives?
12:08:38
